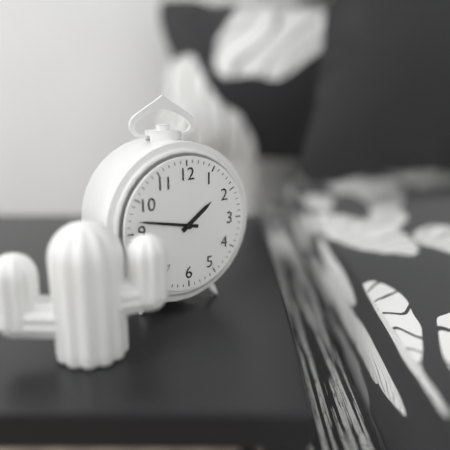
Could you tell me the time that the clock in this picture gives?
1:47
